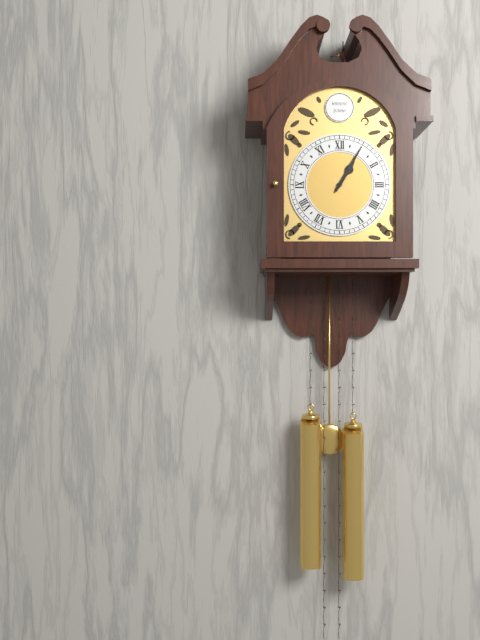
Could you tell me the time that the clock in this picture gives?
1:05
